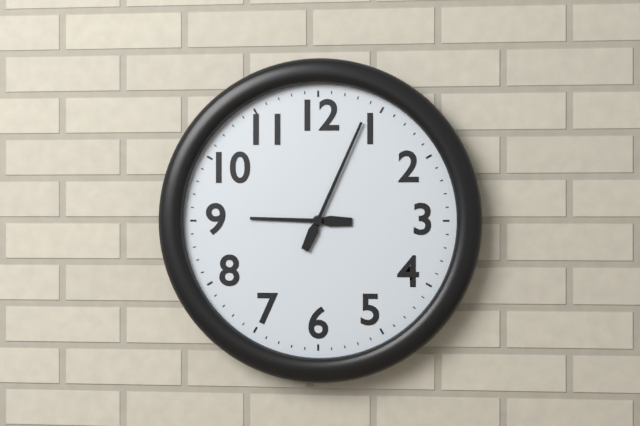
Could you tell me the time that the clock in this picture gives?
9:04
